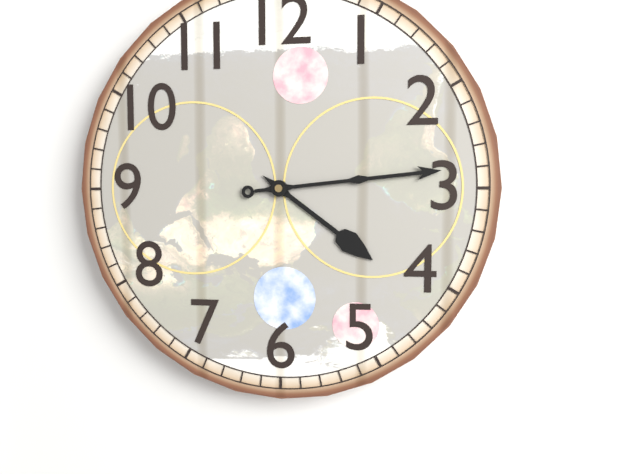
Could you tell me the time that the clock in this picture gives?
4:14
